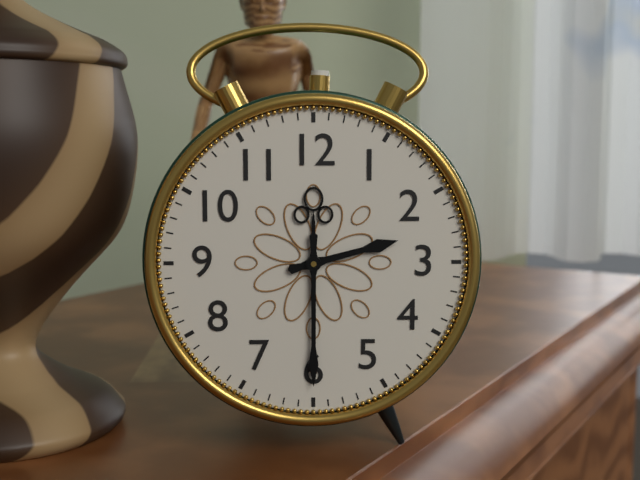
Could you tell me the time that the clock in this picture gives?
2:30
